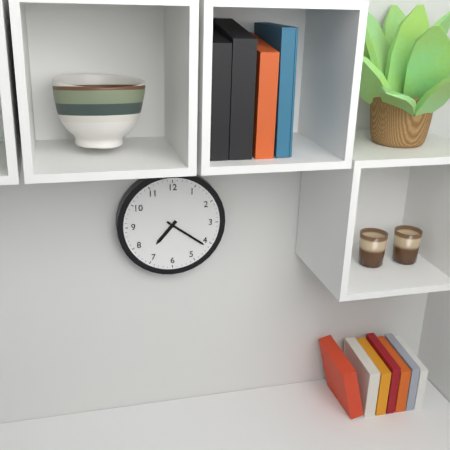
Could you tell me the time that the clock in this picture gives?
7:21
